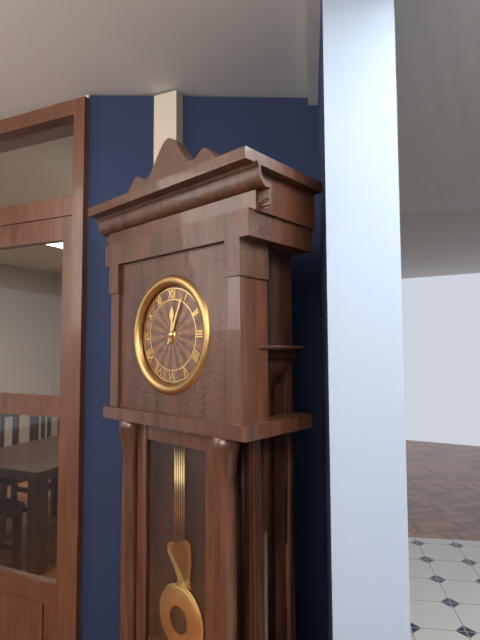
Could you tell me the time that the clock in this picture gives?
12:04
